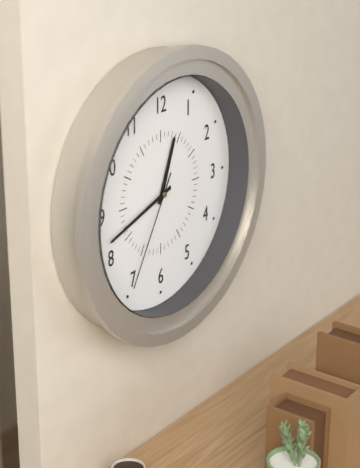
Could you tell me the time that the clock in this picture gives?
12:42:35
